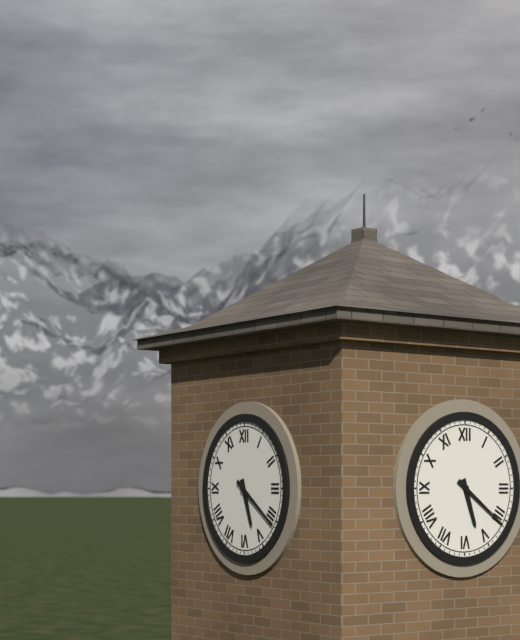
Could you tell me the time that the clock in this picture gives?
5:21
